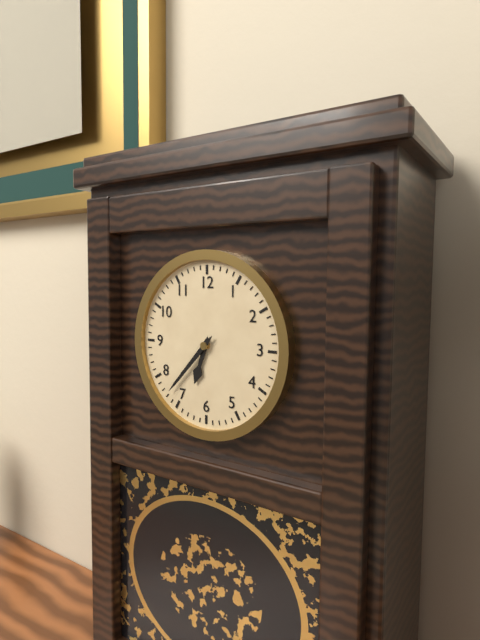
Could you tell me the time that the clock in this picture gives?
6:37
